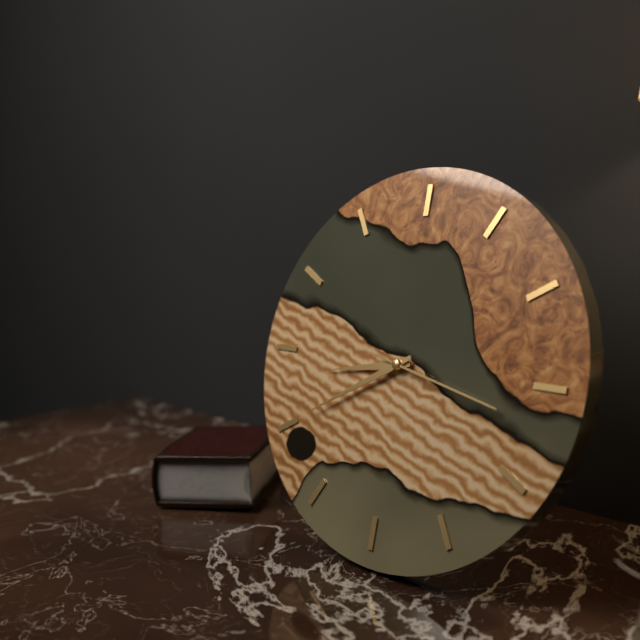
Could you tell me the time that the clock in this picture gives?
8:40:17
